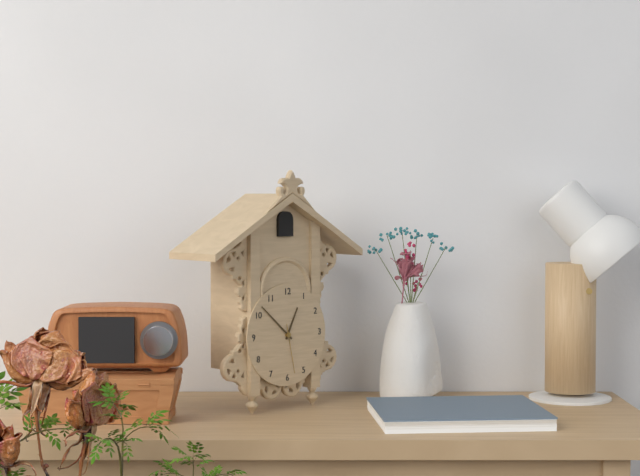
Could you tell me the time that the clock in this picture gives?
12:52
